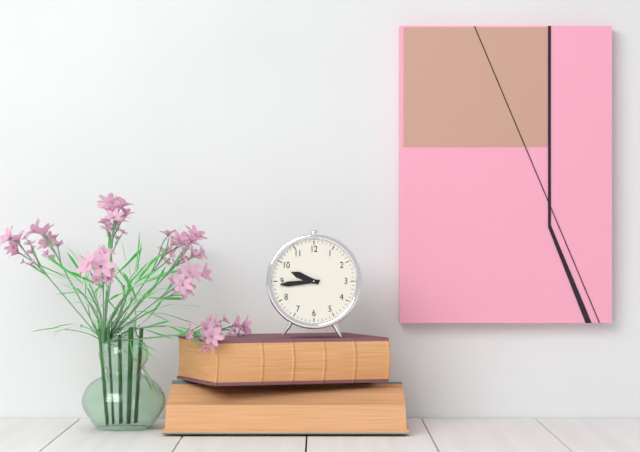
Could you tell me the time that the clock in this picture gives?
9:44
